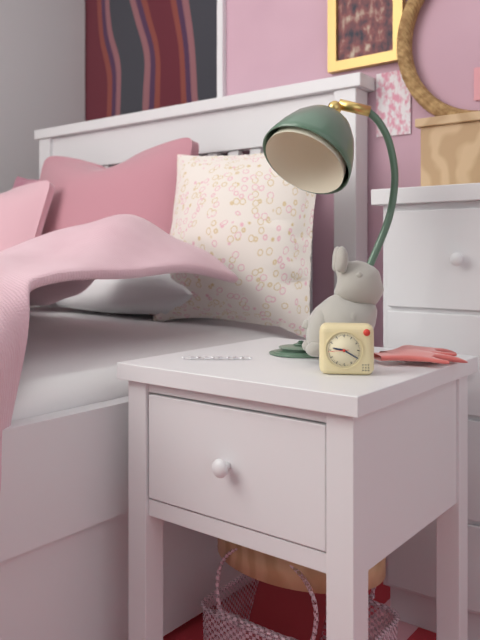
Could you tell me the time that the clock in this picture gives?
9:20
